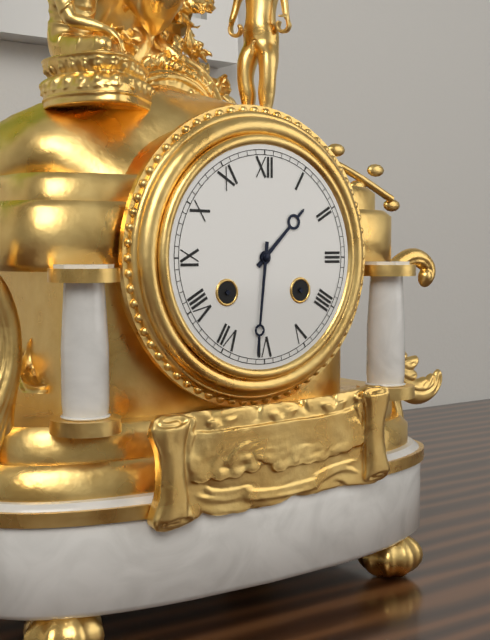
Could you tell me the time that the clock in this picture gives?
1:31
